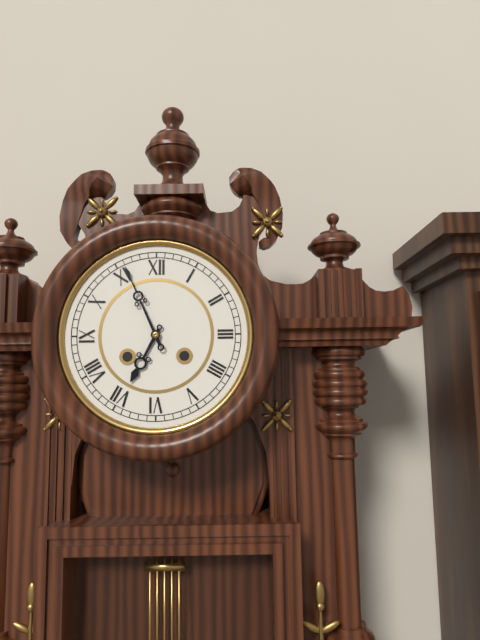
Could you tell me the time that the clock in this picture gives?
6:56
